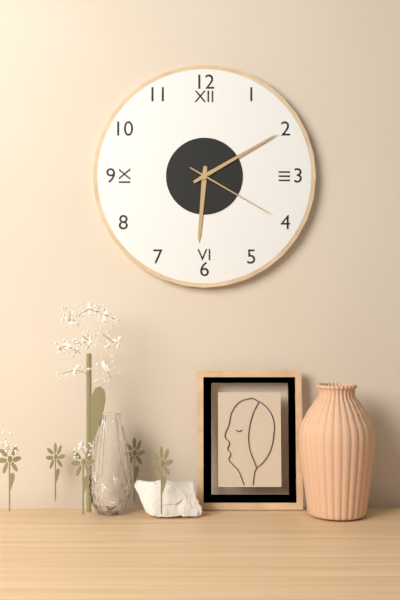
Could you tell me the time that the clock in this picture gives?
6:10:20
